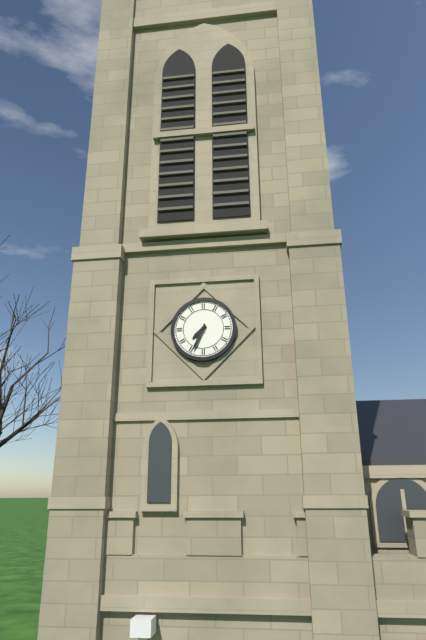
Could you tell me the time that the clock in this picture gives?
7:34
